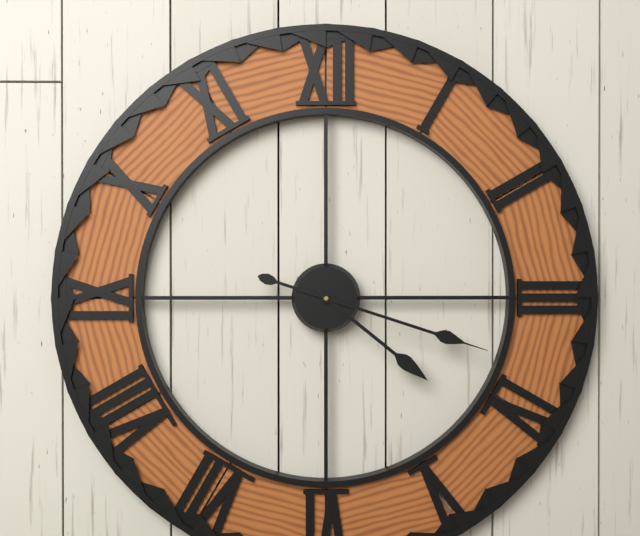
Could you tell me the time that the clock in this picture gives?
4:18
